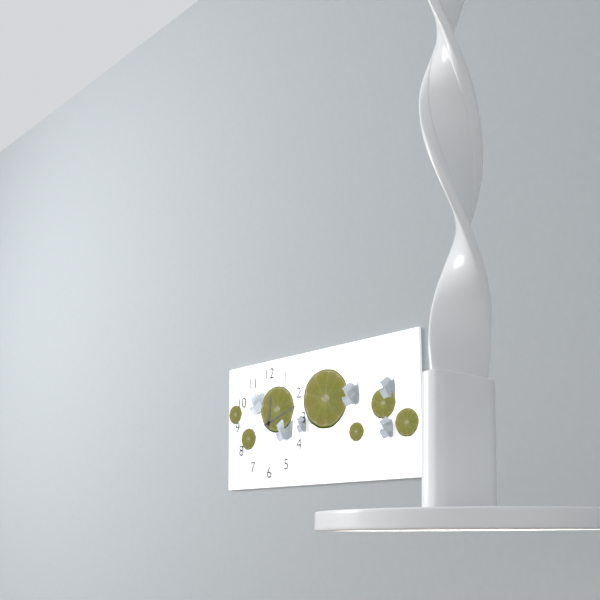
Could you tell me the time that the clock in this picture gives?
12:12
